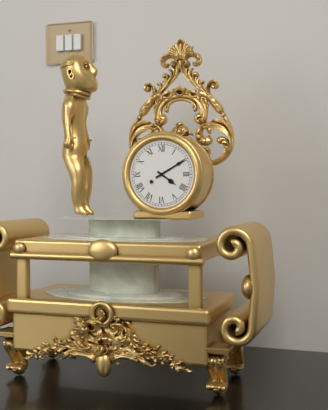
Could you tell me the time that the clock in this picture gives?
4:10
